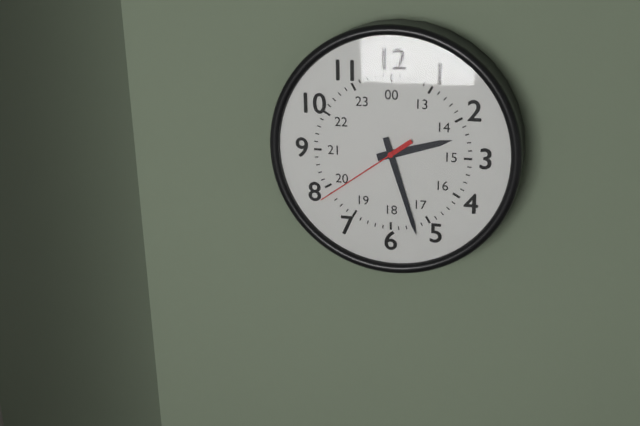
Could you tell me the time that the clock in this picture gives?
2:27:39
